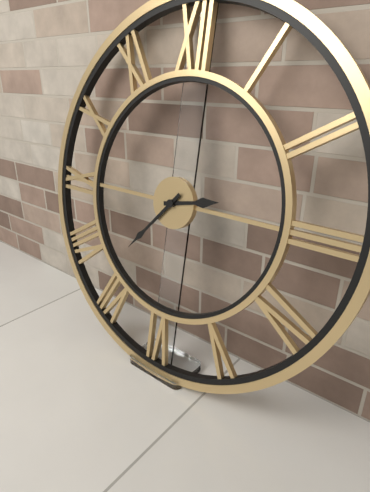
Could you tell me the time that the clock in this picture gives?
2:37
